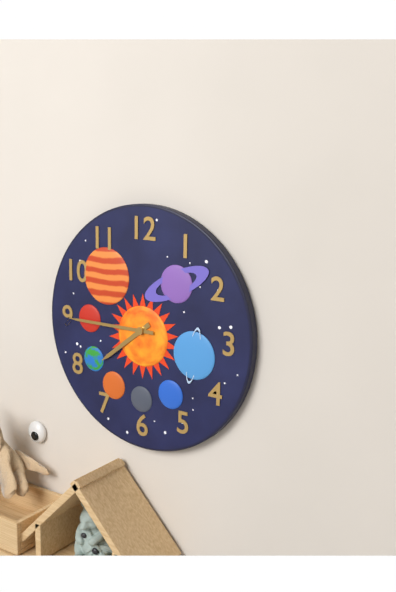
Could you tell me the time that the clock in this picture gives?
7:45
